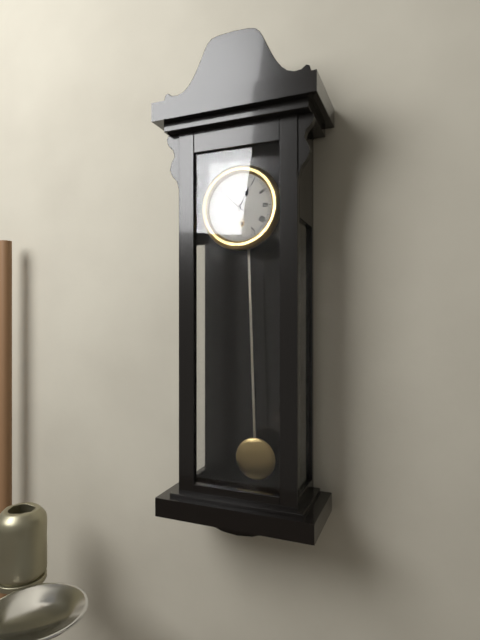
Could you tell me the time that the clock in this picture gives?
12:52
